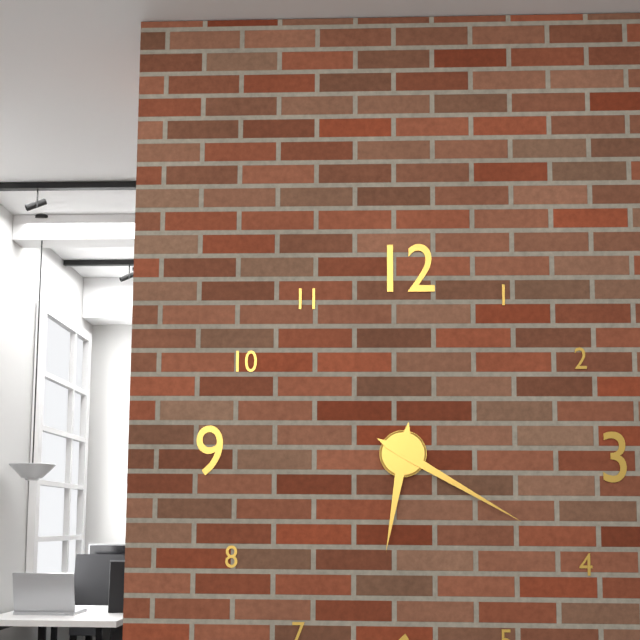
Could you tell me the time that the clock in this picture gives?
6:20
